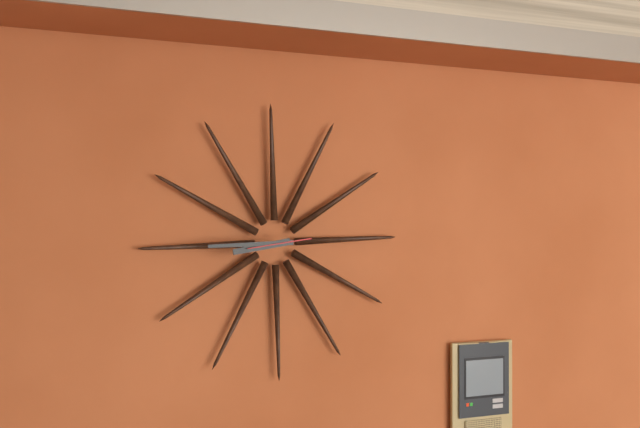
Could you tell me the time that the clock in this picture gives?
8:45
